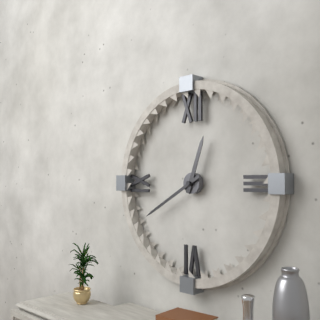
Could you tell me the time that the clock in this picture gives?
12:40
